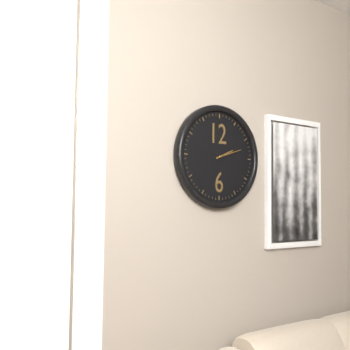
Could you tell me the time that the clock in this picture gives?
2:12
